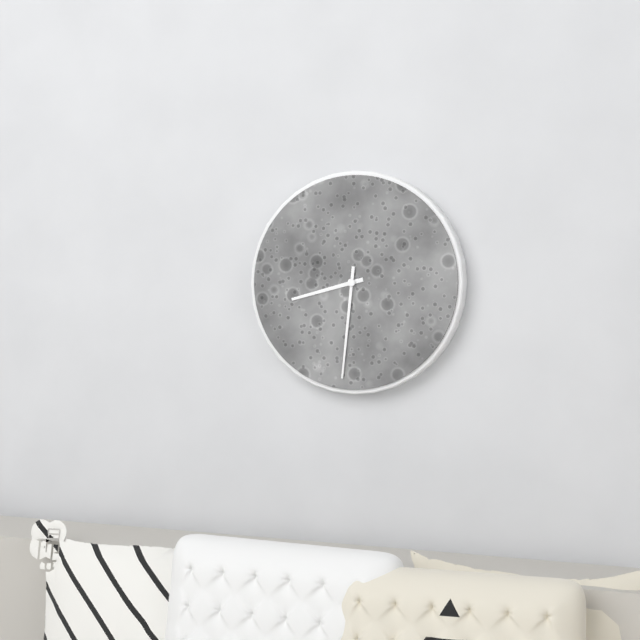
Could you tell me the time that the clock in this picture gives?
8:31
